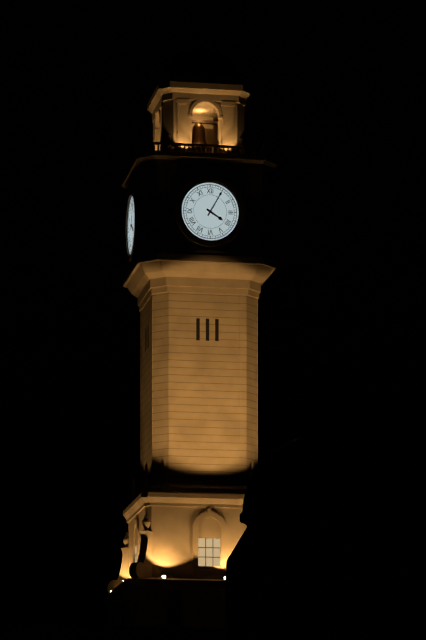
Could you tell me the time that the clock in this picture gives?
4:05
